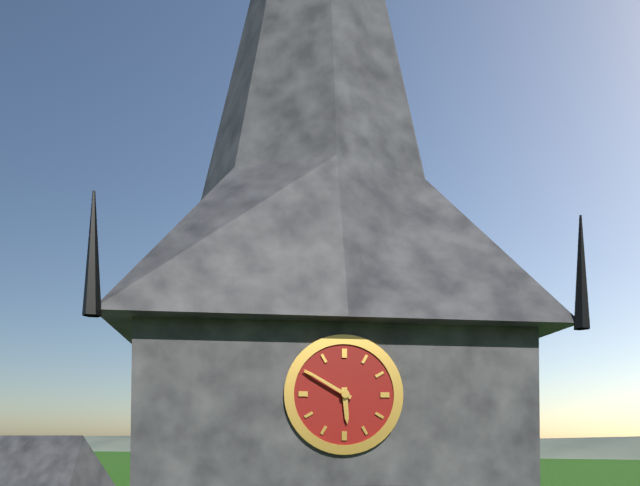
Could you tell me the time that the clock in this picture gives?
5:50
